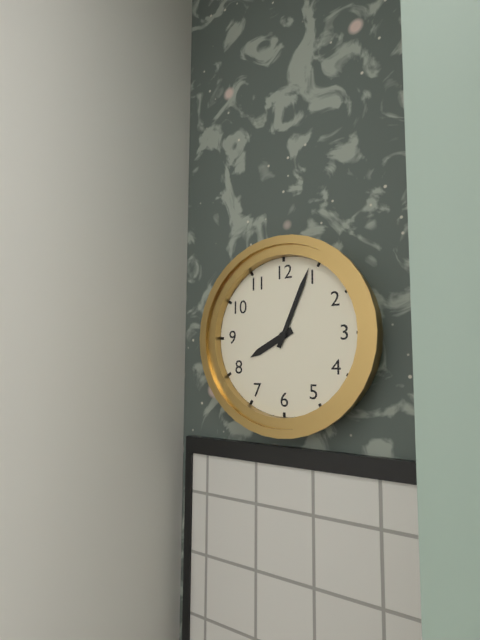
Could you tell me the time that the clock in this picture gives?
8:04
